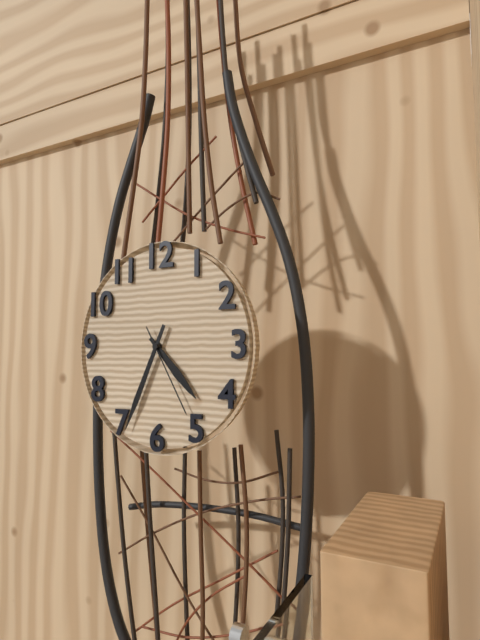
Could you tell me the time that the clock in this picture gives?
4:34:25
